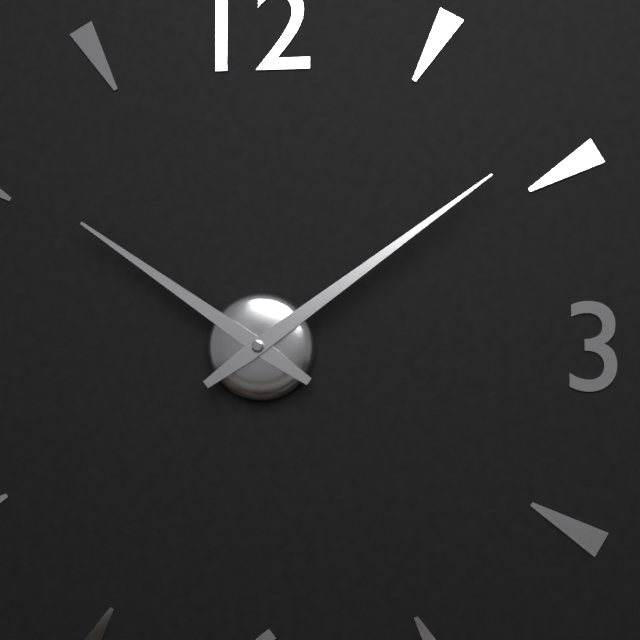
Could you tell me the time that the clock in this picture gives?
10:09
